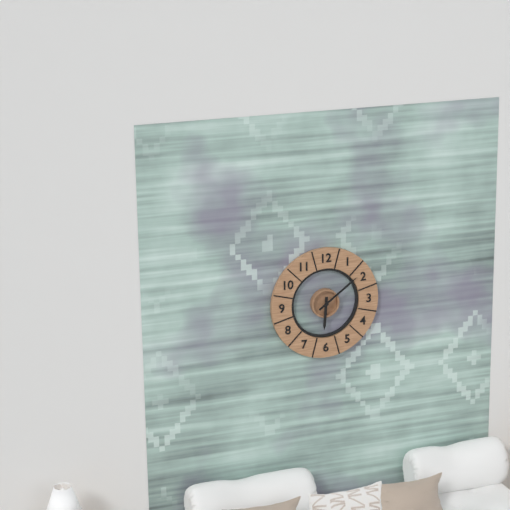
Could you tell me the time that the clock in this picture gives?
6:09
